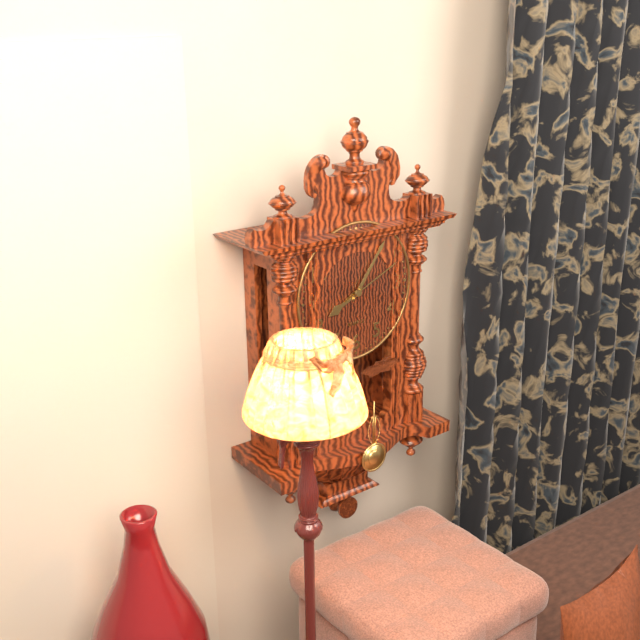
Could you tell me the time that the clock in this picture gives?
8:06:11
